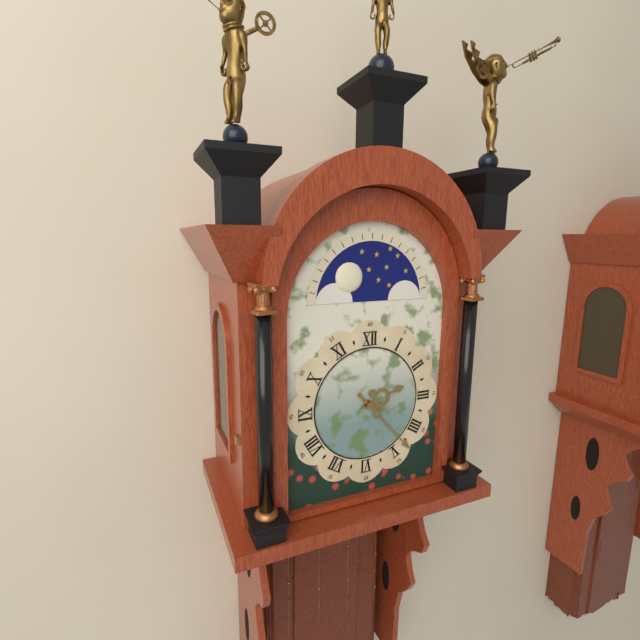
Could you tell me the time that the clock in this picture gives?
2:23
